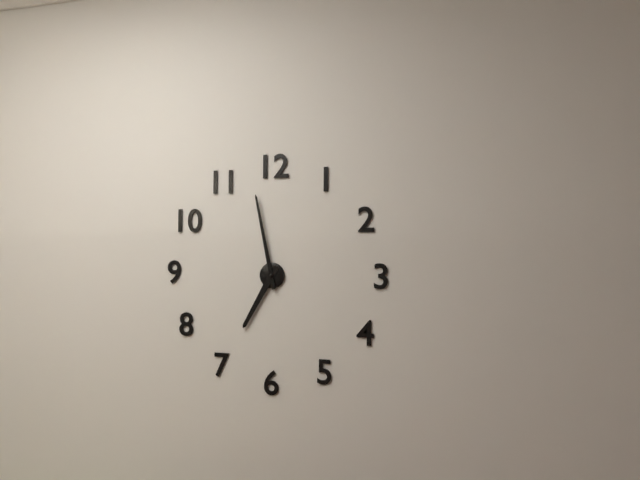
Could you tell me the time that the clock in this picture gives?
6:58
